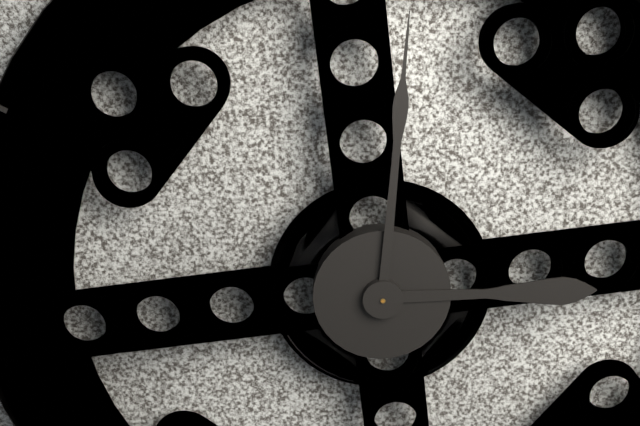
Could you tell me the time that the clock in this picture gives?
3:01
